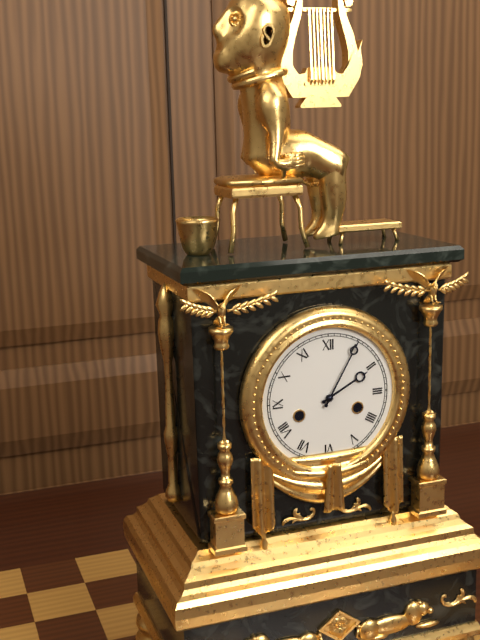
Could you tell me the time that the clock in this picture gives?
2:05
